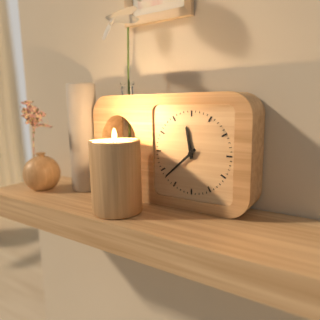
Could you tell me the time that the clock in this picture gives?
11:38
